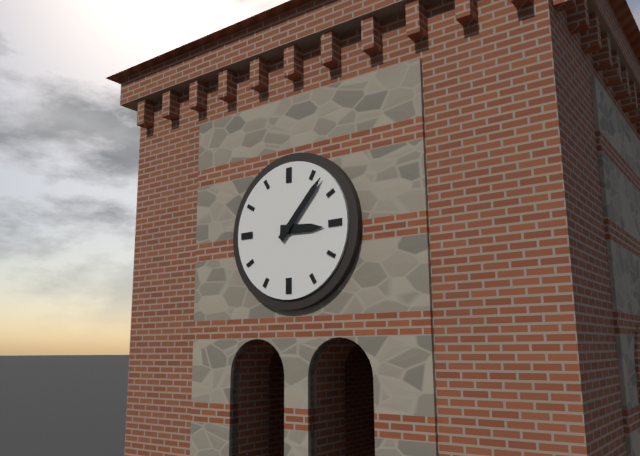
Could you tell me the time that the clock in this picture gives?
3:07
